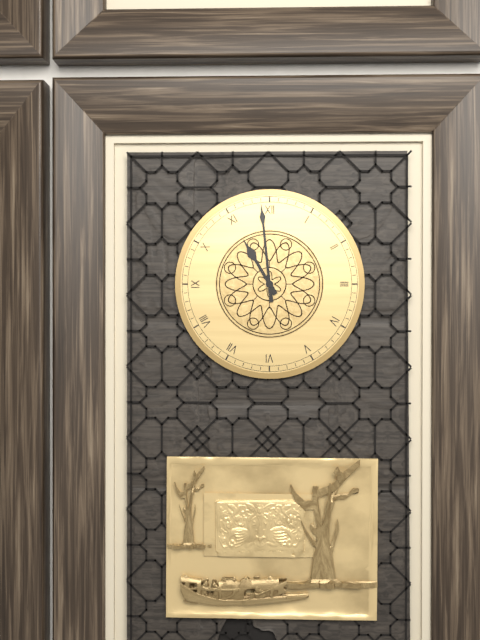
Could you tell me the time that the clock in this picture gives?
10:59
